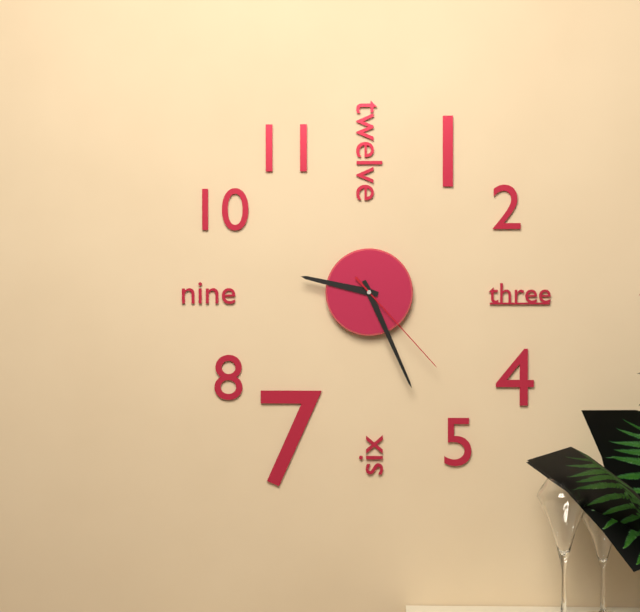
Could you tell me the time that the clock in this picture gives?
9:26:23
